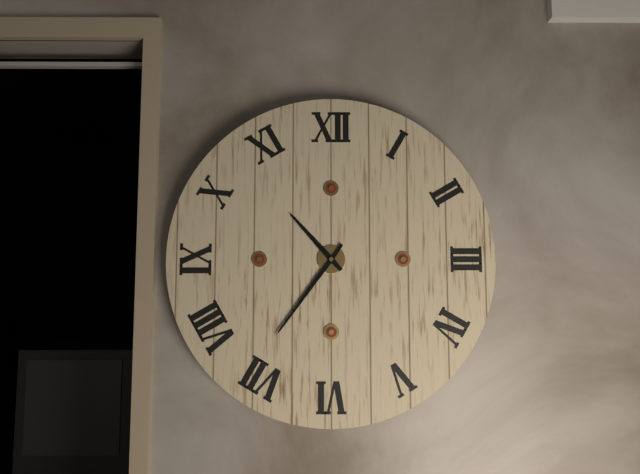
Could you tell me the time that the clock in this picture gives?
10:36
